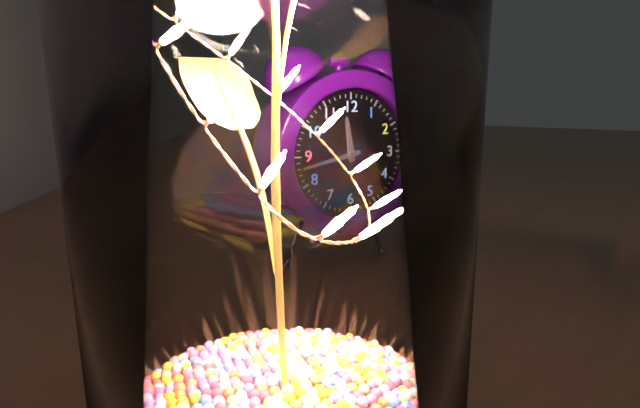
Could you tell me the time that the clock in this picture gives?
11:43
